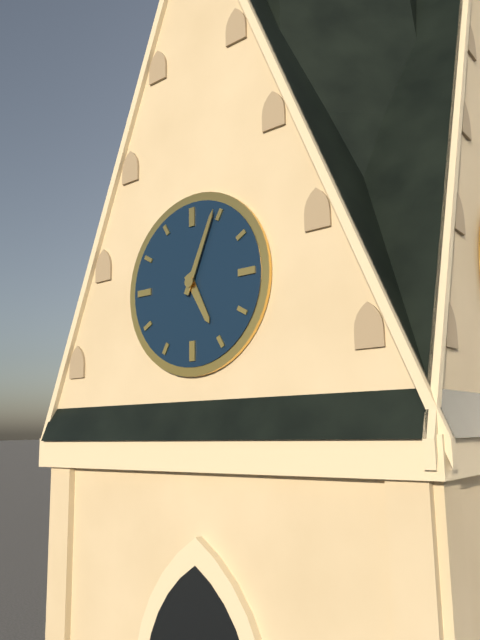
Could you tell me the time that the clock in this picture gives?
5:04
